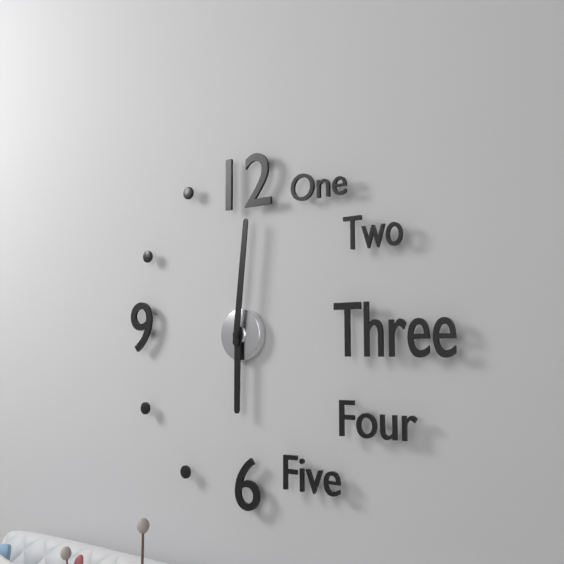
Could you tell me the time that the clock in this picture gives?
6:01
